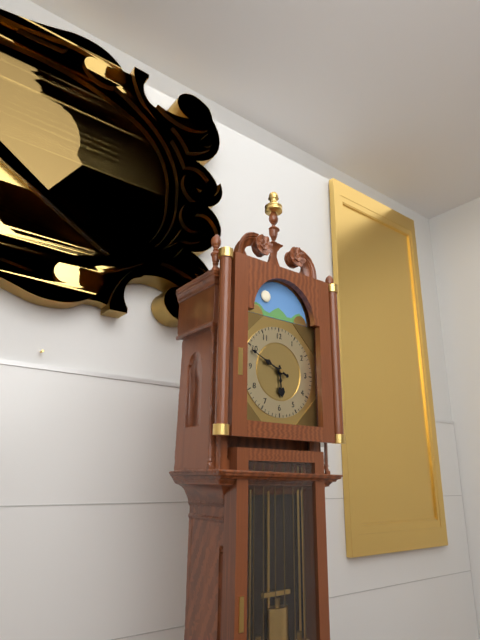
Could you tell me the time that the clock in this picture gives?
5:49
